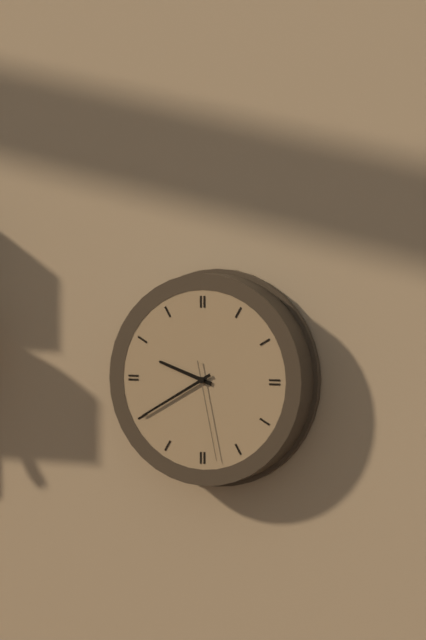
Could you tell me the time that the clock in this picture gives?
9:40:28
